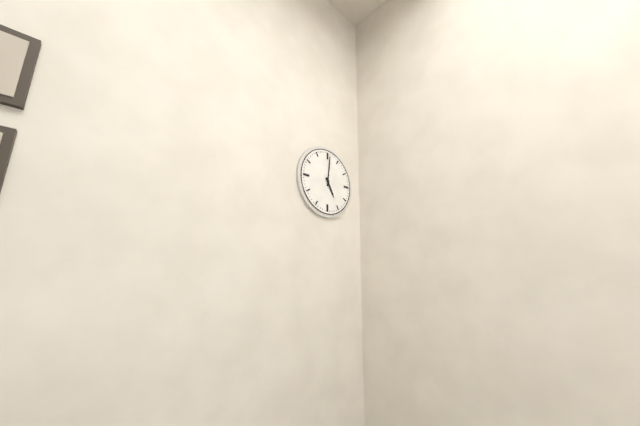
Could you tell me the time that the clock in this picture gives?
5:01
